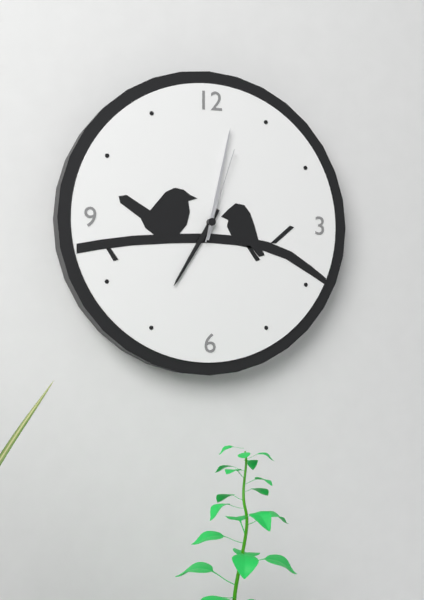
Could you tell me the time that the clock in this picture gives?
7:02:03
